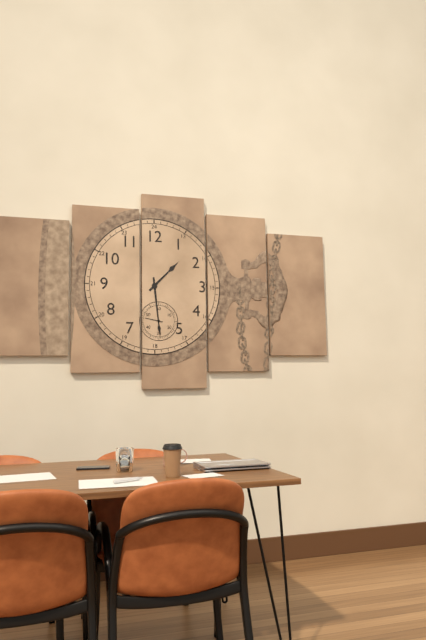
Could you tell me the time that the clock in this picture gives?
1:29
